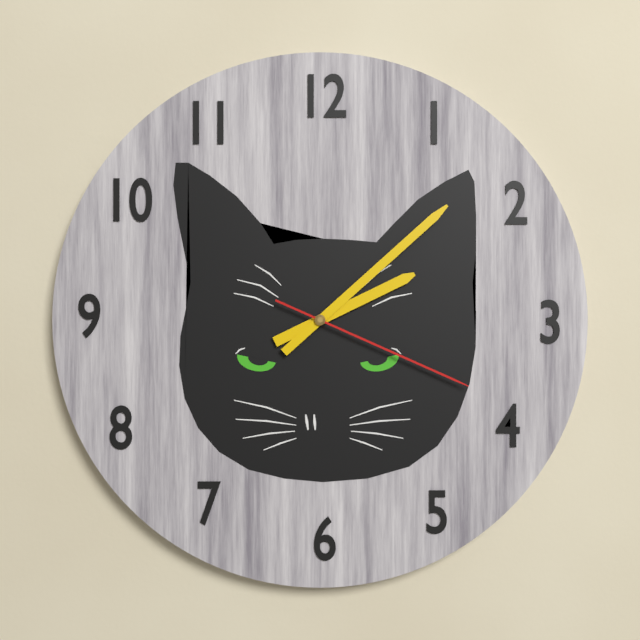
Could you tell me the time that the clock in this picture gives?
2:08:19
